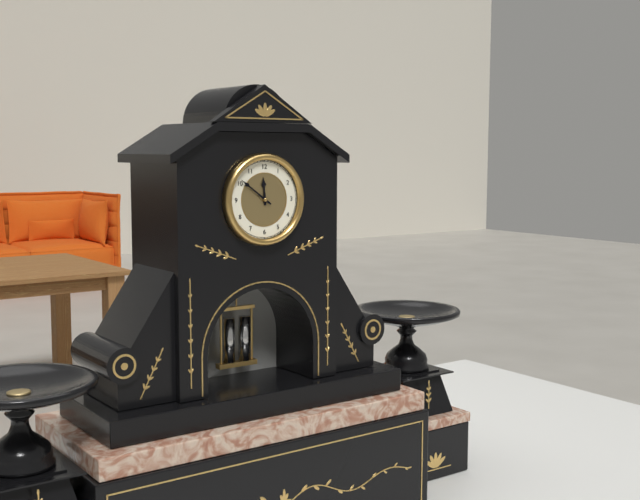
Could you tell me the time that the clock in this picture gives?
11:51
